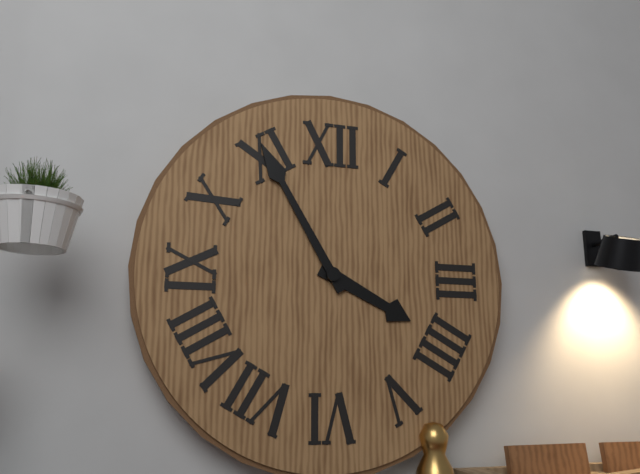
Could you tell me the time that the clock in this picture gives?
3:55
